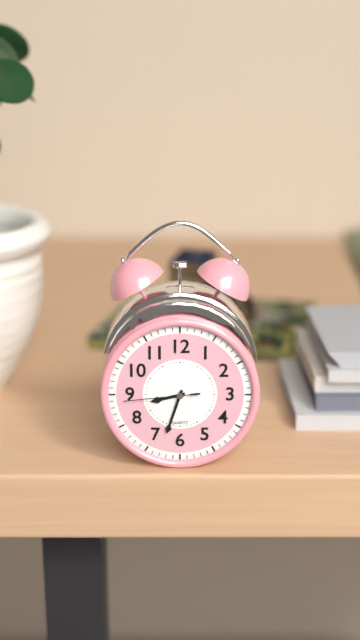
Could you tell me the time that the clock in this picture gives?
8:33:44
